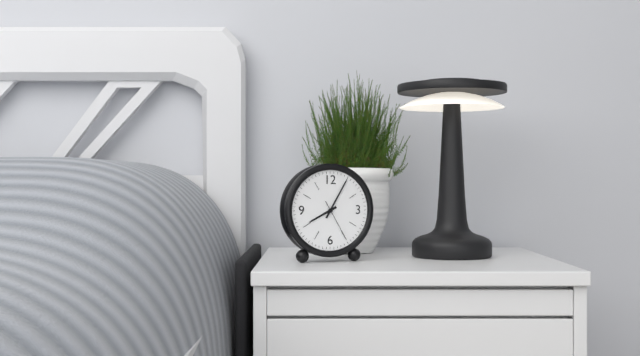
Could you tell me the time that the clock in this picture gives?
8:05
